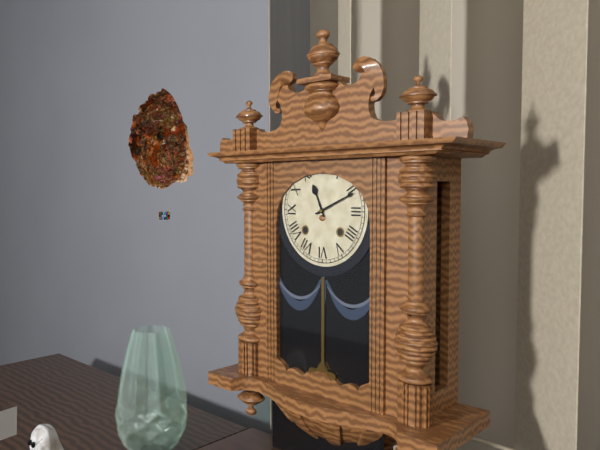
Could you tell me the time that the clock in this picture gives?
11:11
